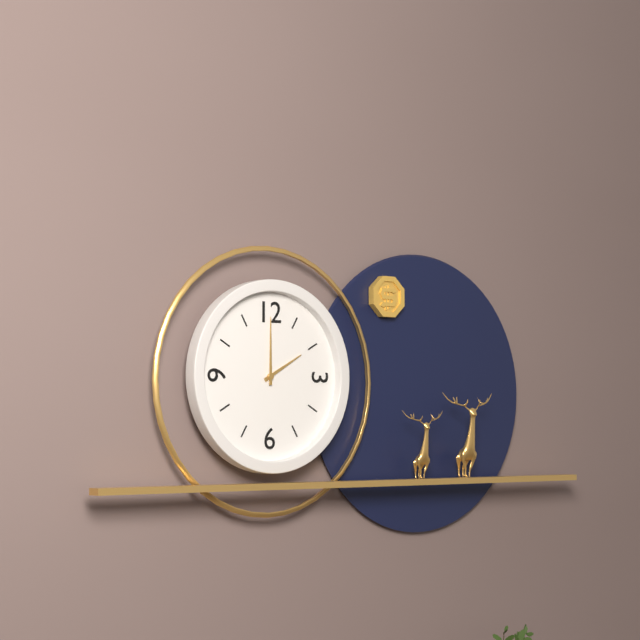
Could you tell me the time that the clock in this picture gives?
2:00
